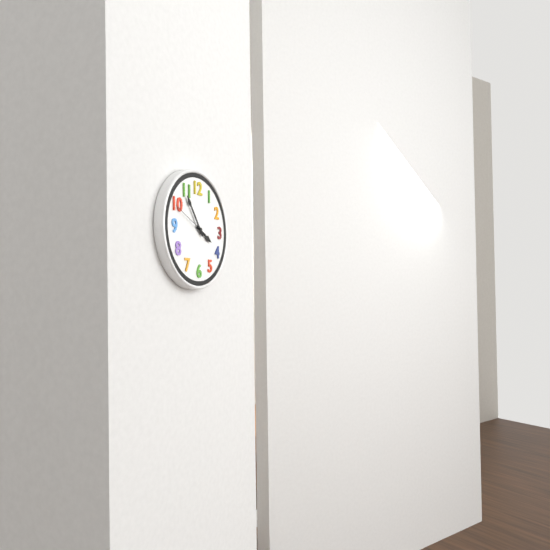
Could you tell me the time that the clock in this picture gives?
3:54
